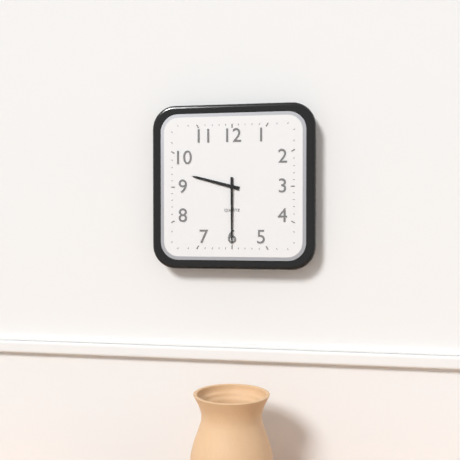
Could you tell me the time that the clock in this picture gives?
9:30
